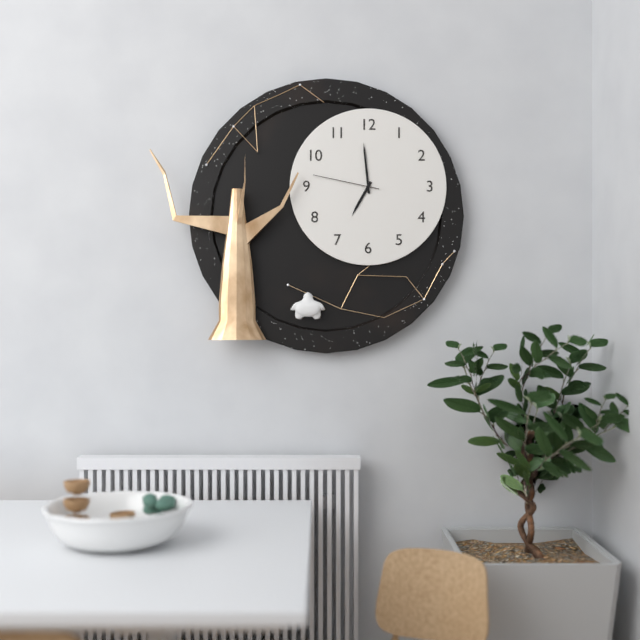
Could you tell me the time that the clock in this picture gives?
6:59:47
